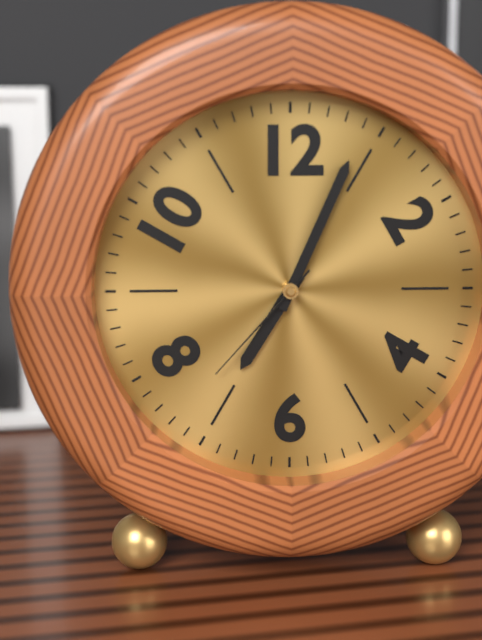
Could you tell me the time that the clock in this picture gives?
7:04:37
